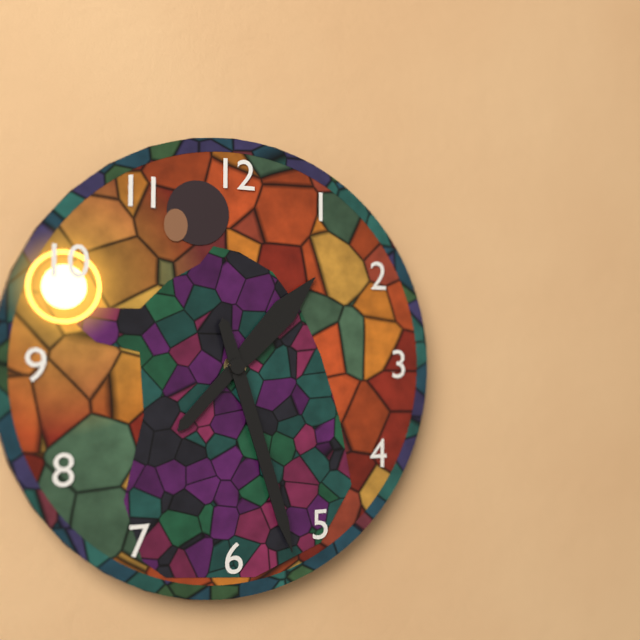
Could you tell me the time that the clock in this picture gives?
1:27
